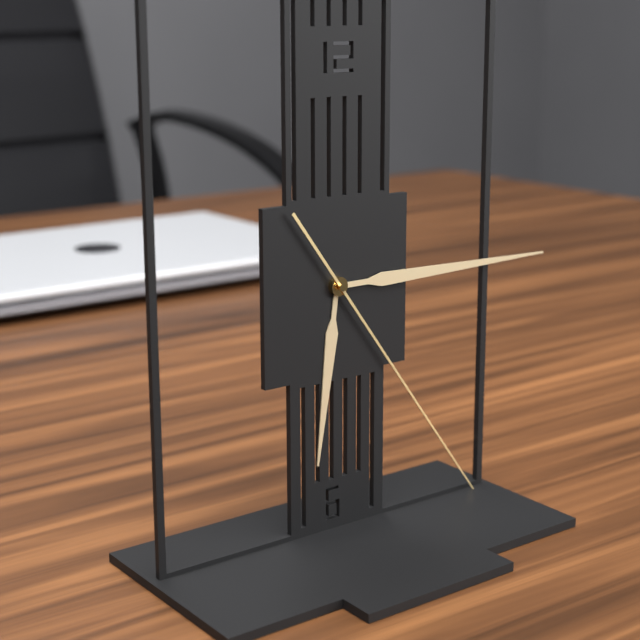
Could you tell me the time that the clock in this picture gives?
6:15:24
